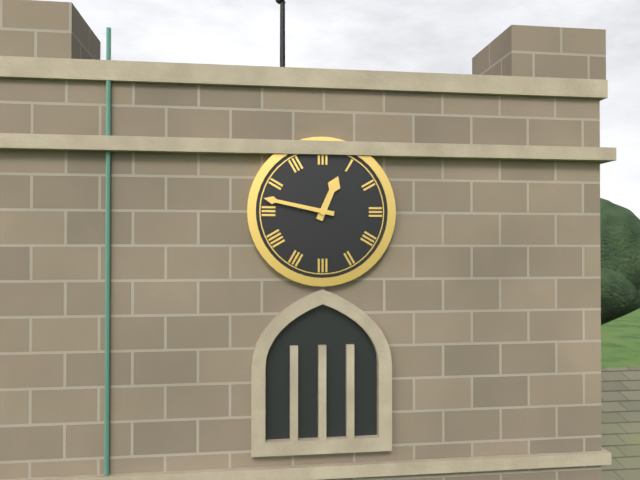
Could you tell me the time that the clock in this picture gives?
12:47
